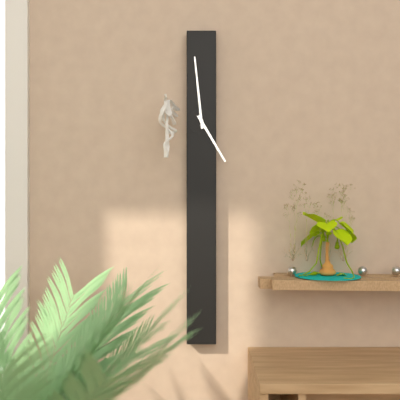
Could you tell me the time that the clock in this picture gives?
4:59
